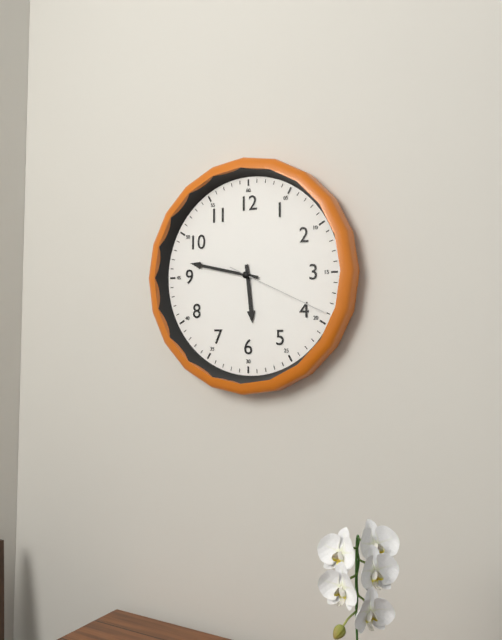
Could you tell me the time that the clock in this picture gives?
5:47:19
